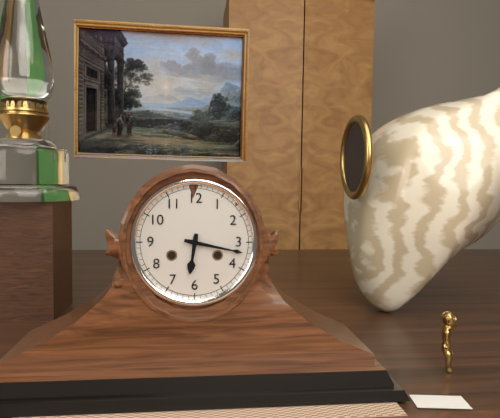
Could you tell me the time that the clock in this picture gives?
6:17
